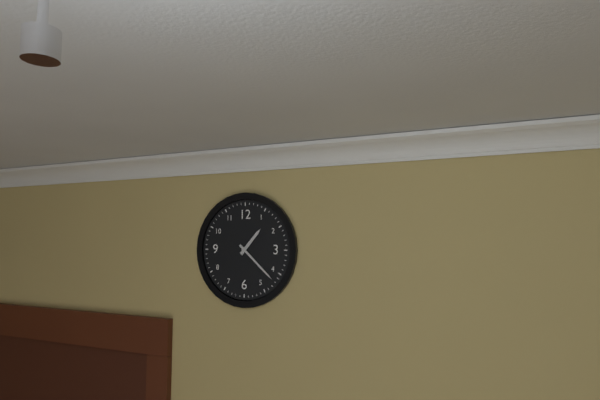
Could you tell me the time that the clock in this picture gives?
1:22
